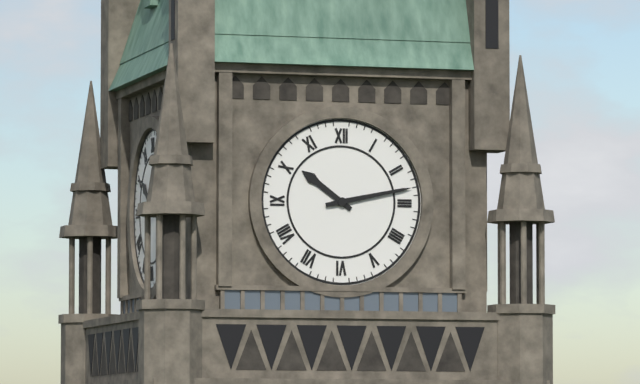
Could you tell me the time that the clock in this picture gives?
10:13
